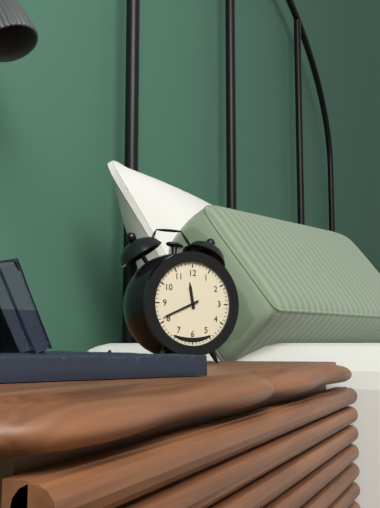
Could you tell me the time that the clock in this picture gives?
11:41
